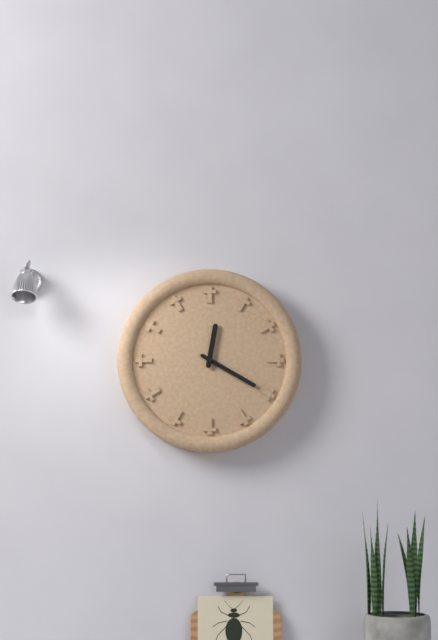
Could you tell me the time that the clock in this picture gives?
12:20
